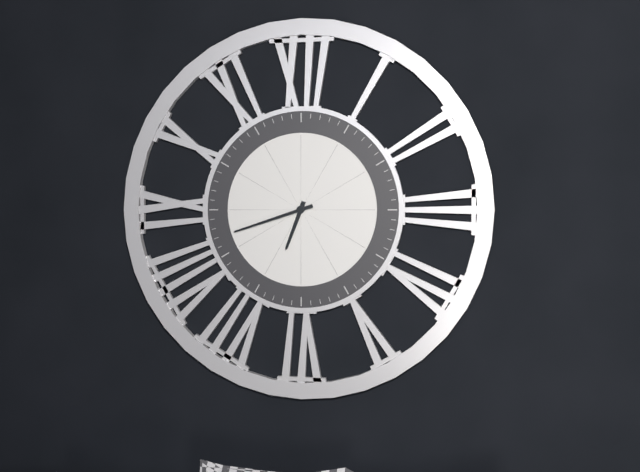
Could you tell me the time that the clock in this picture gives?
6:42
